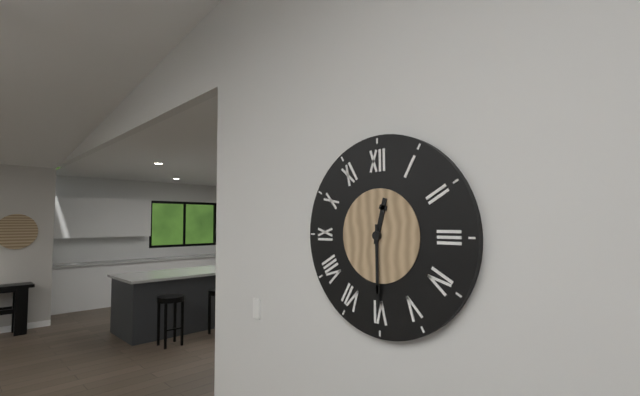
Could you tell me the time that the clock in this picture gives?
12:30
